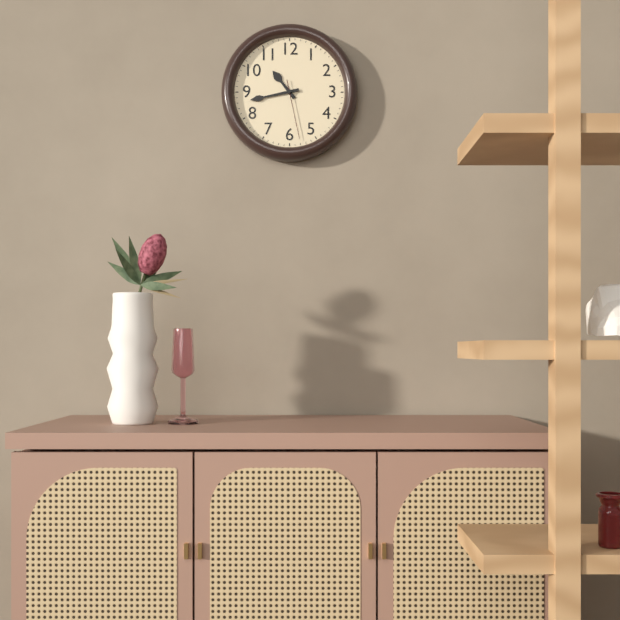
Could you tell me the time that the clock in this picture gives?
10:43:28
